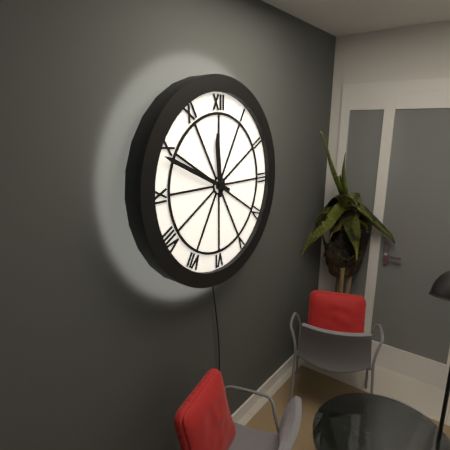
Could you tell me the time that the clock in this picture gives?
11:49
